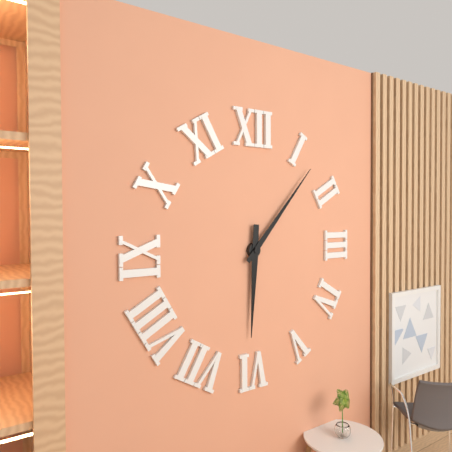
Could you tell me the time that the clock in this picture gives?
6:07
